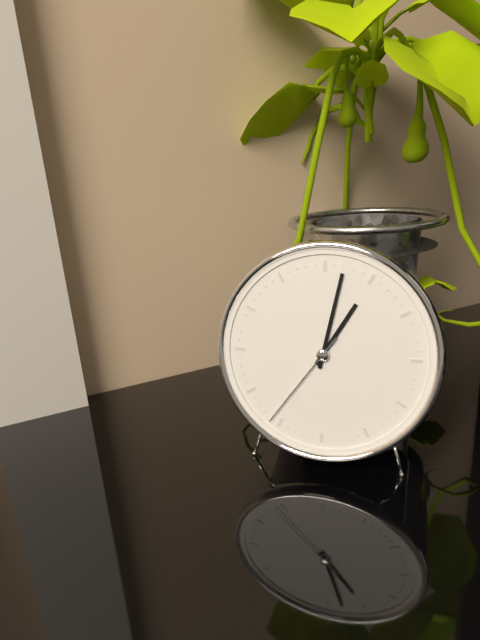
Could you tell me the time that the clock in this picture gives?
1:02:36
